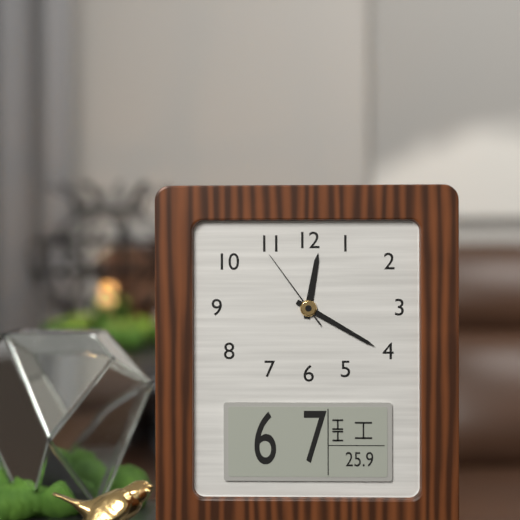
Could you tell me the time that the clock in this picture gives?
12:20:54
